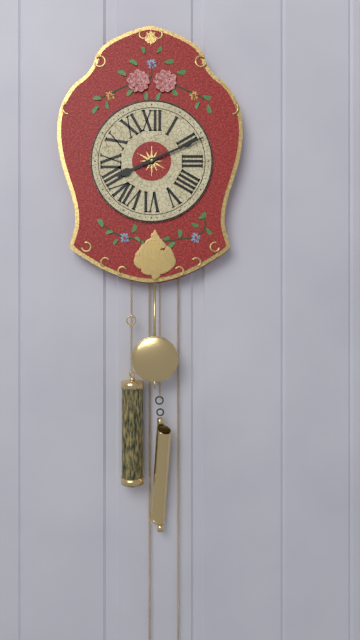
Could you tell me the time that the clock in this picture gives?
8:11
